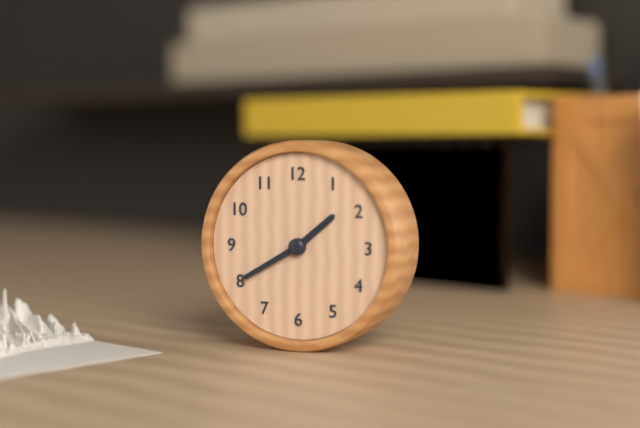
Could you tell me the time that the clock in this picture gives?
1:40
